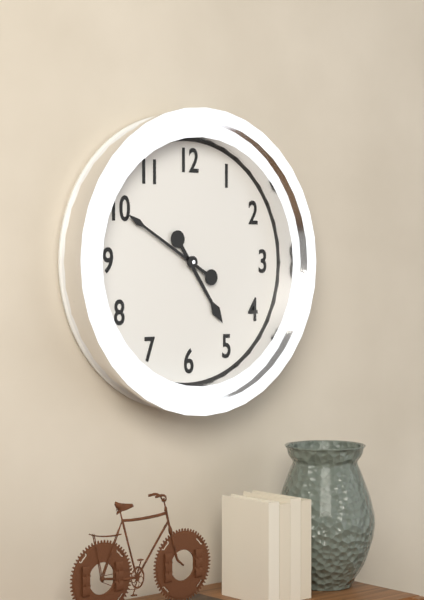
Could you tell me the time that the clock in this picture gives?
4:50
